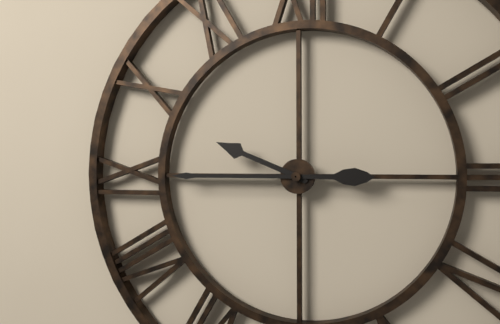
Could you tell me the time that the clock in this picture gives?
9:45
